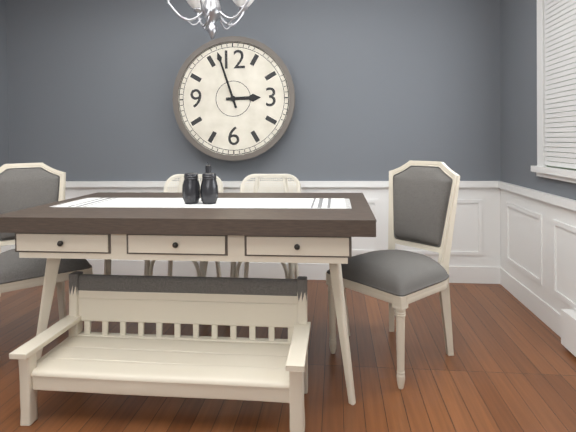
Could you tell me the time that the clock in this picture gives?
2:57
